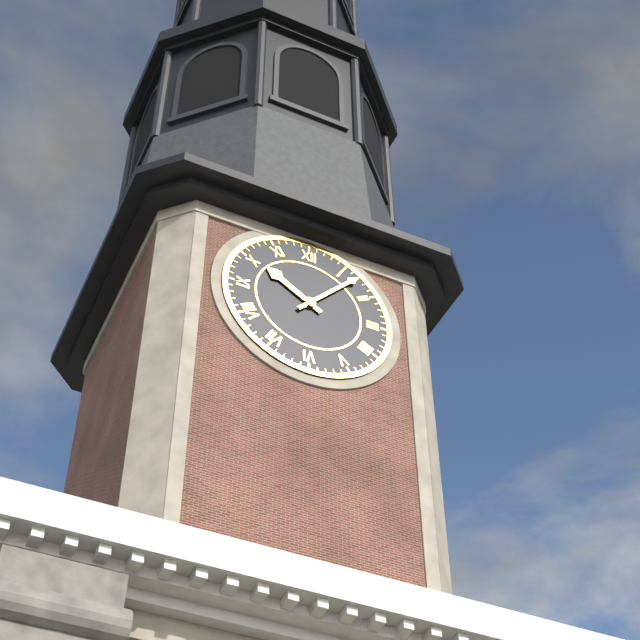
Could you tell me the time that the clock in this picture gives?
10:07
